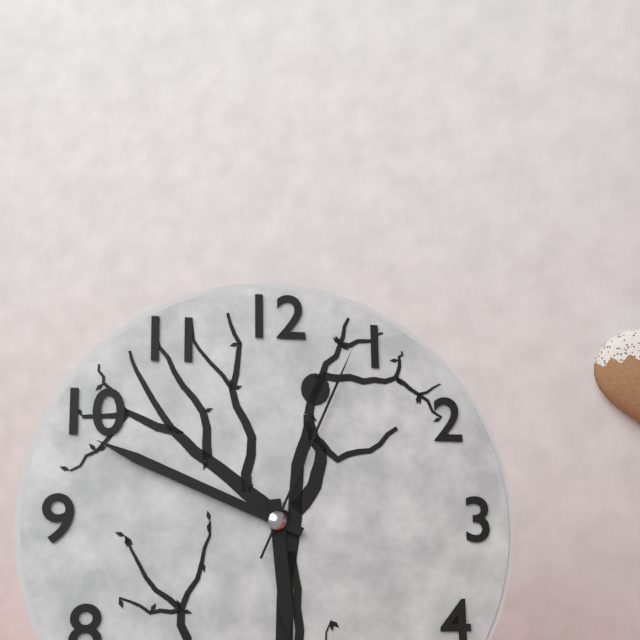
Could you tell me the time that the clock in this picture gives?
5:49:04
